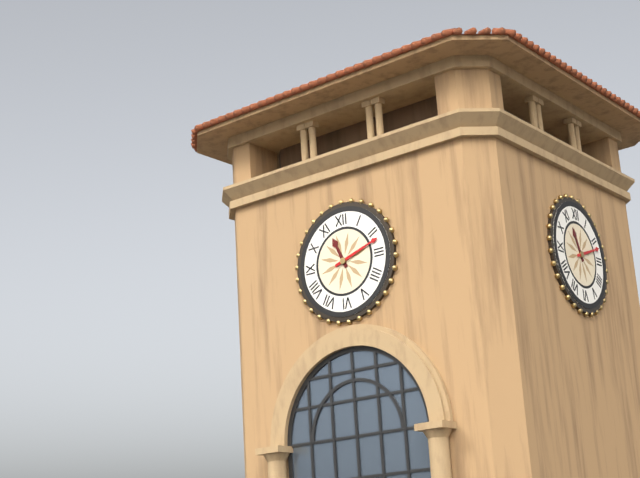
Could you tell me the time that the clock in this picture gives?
11:12
